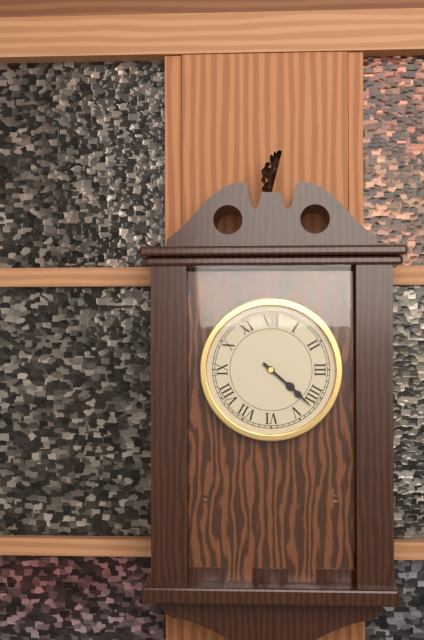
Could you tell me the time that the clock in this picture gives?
4:22
